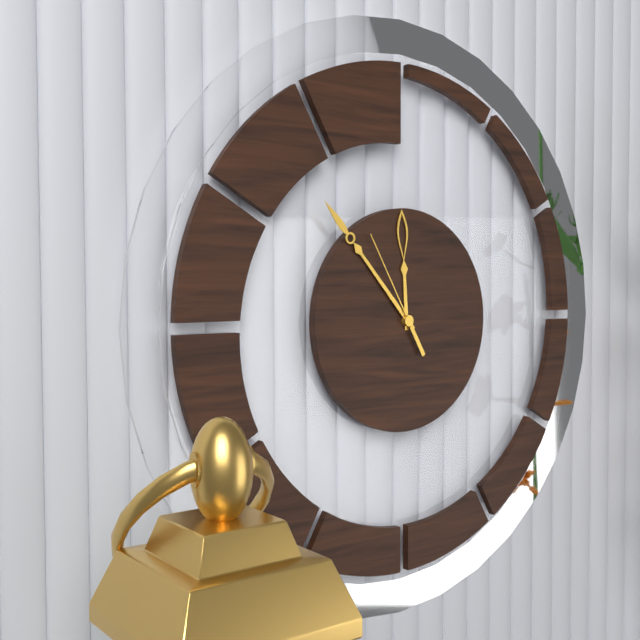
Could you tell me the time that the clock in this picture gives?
11:53:55
